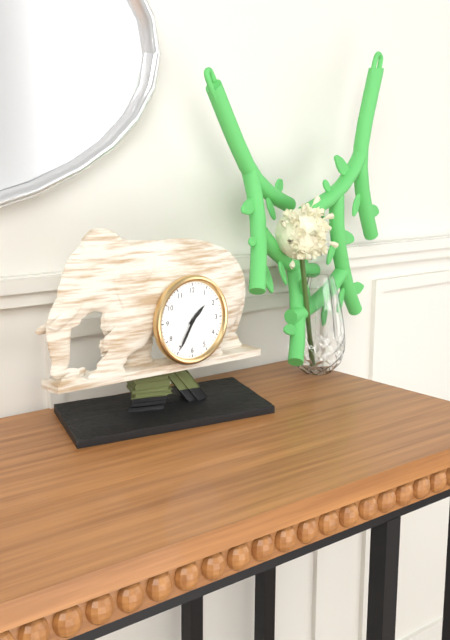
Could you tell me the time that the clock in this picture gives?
1:35
